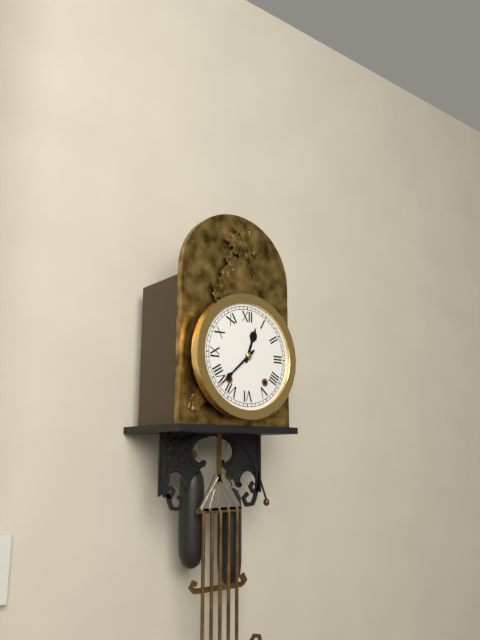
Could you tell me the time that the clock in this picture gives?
12:38
